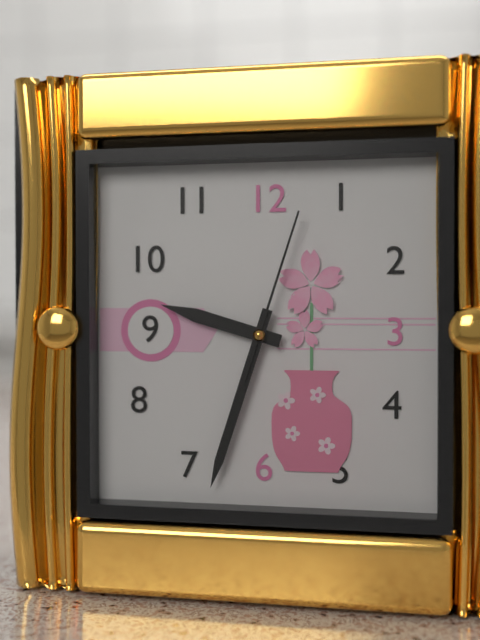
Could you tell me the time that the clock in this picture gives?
9:33:03
